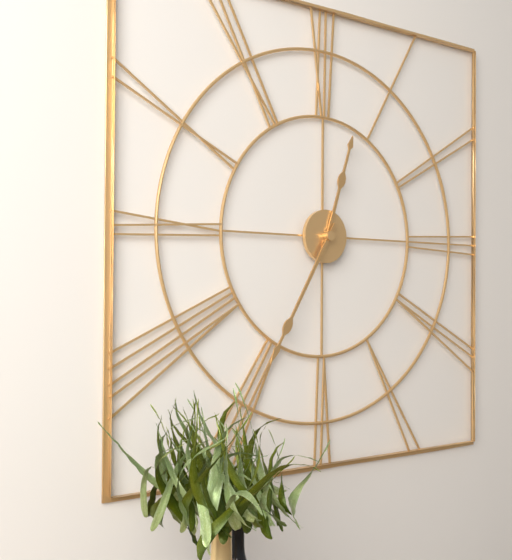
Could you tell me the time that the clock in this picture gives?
12:35
